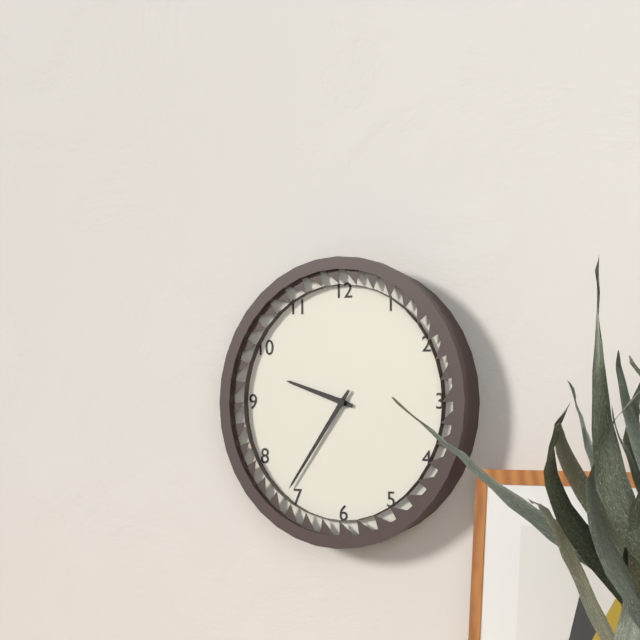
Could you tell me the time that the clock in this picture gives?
9:36
